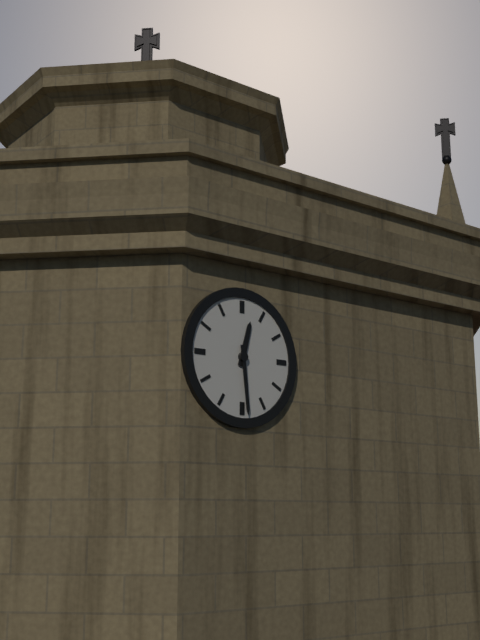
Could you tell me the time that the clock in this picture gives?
12:29
